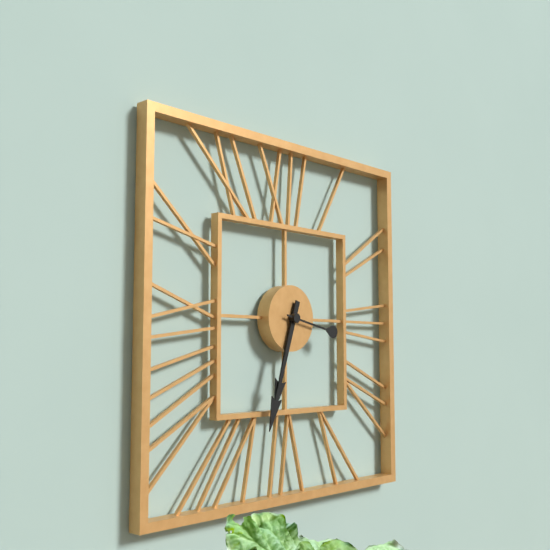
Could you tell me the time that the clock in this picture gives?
6:33:17
